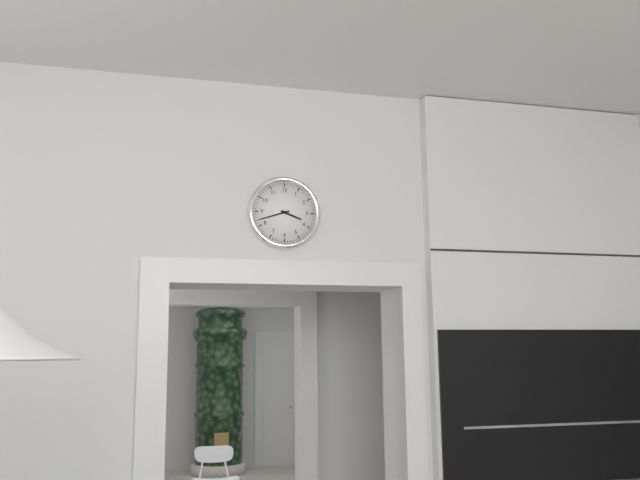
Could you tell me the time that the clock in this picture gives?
3:42
